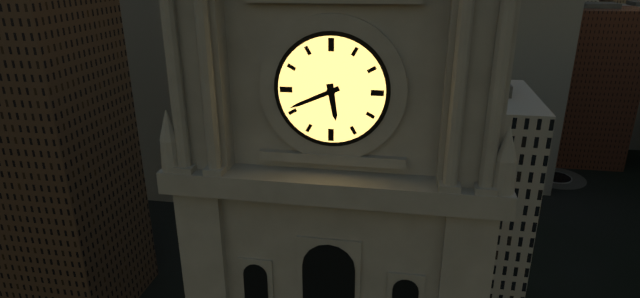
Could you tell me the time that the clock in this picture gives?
5:41
